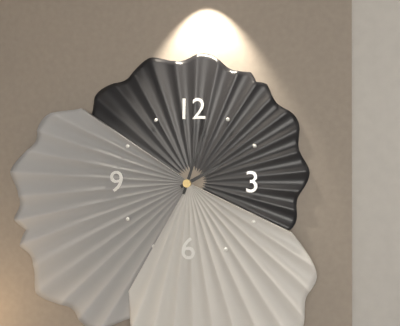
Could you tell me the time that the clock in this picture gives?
2:03
